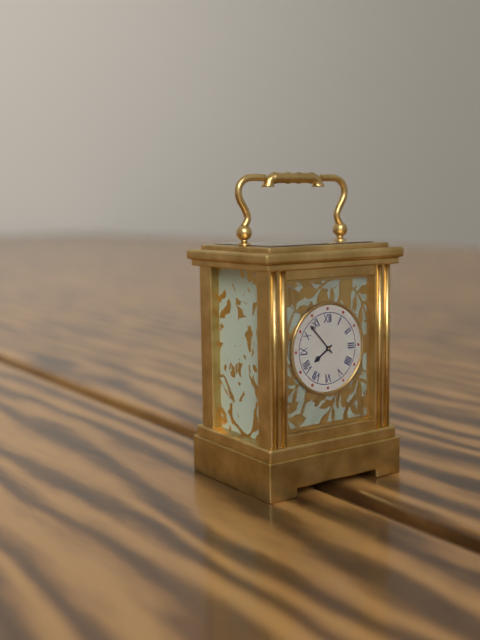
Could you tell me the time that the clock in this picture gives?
7:53
